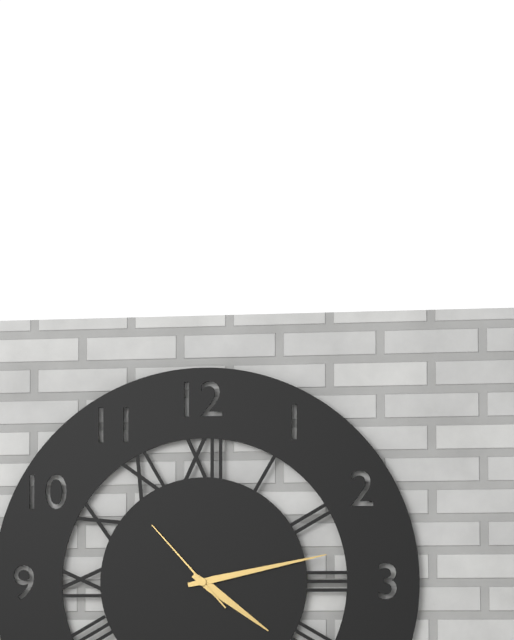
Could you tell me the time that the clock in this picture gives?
4:13:53
